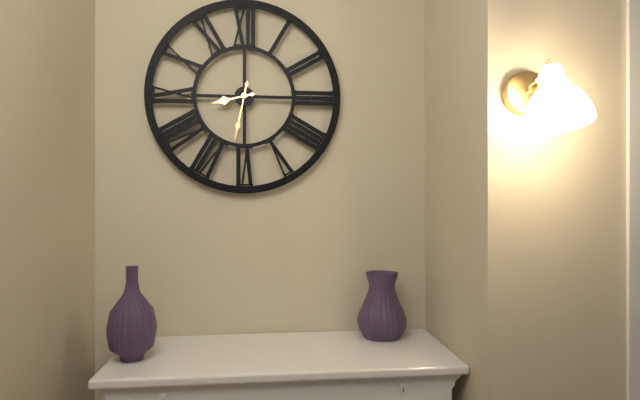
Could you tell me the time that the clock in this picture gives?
8:32
